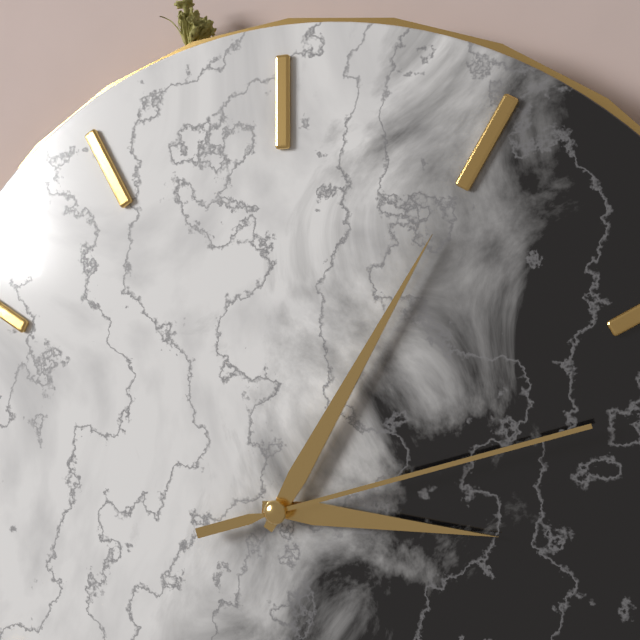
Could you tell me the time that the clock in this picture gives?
3:05:12
